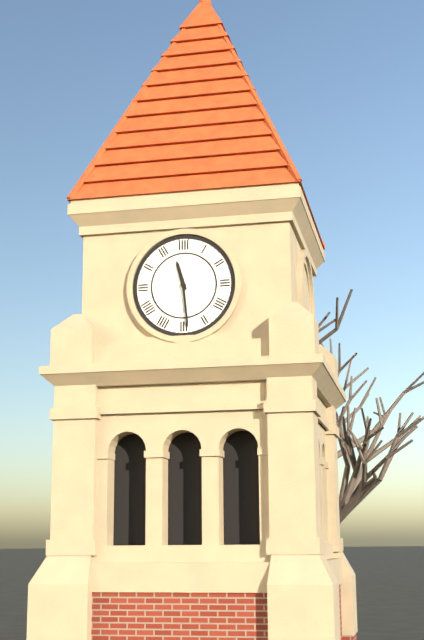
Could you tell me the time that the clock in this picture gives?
11:29
